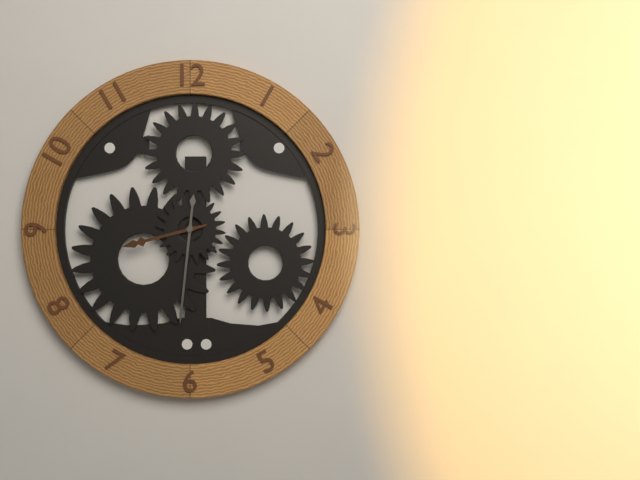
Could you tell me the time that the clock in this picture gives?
8:31
